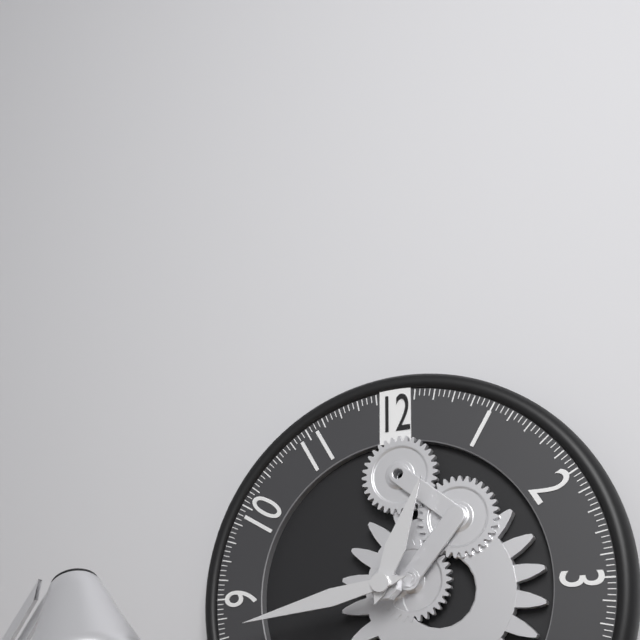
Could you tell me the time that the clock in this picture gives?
12:43
